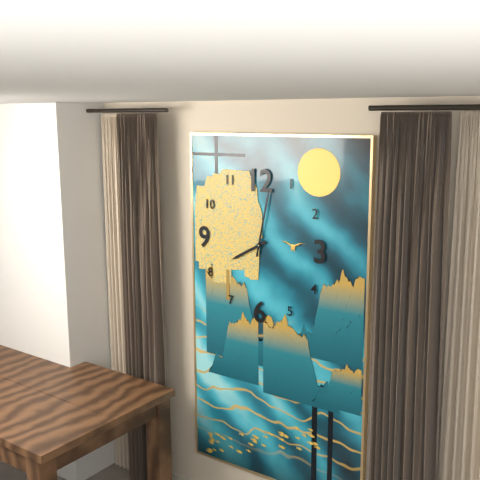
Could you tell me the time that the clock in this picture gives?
8:02
